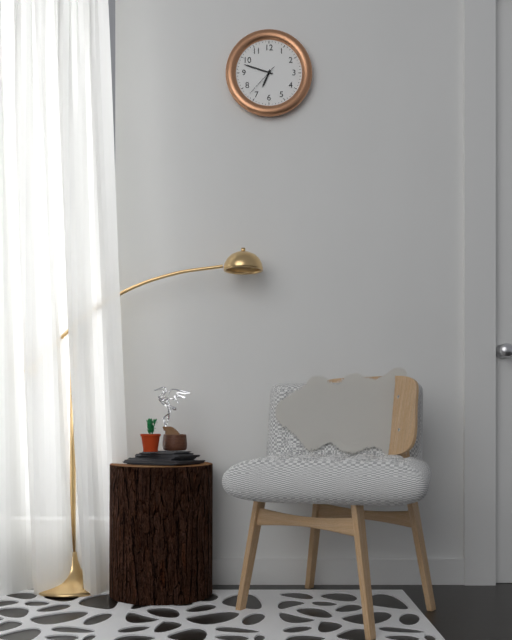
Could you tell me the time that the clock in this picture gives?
6:48
